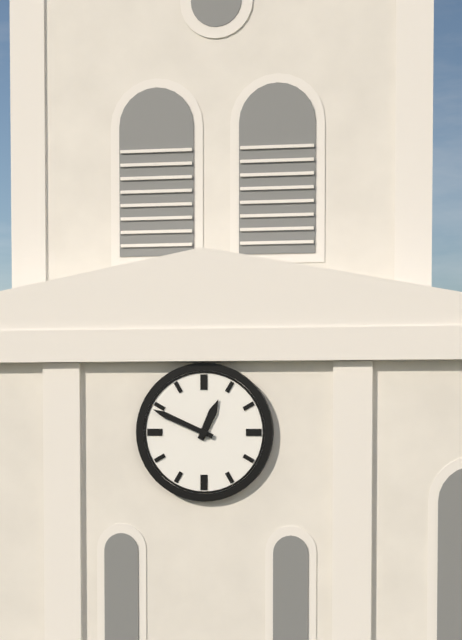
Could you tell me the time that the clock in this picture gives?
12:49
